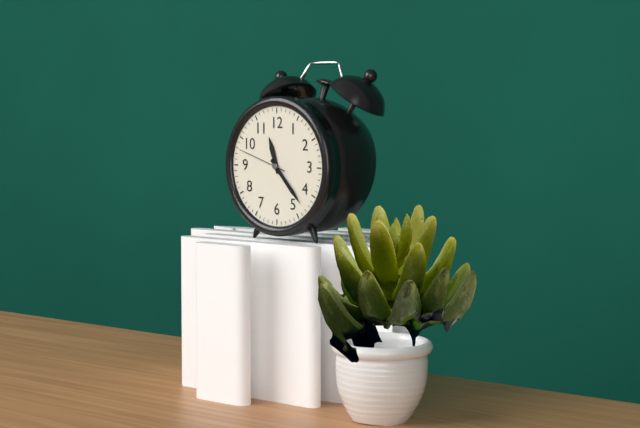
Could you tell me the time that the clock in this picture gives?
11:23
